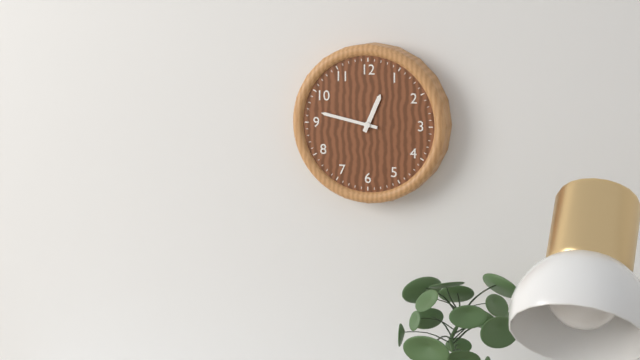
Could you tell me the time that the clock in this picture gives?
12:47
